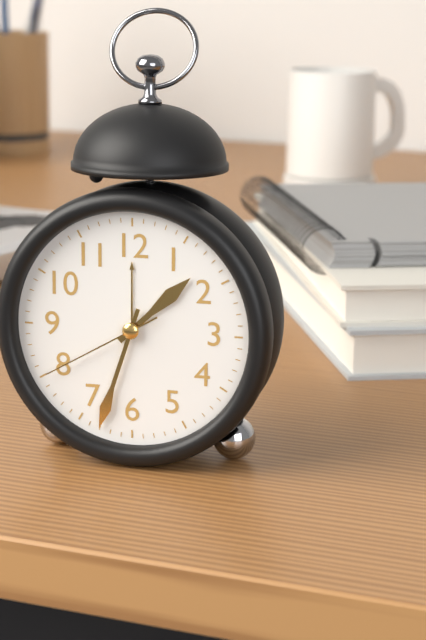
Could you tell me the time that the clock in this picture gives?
1:33:40
